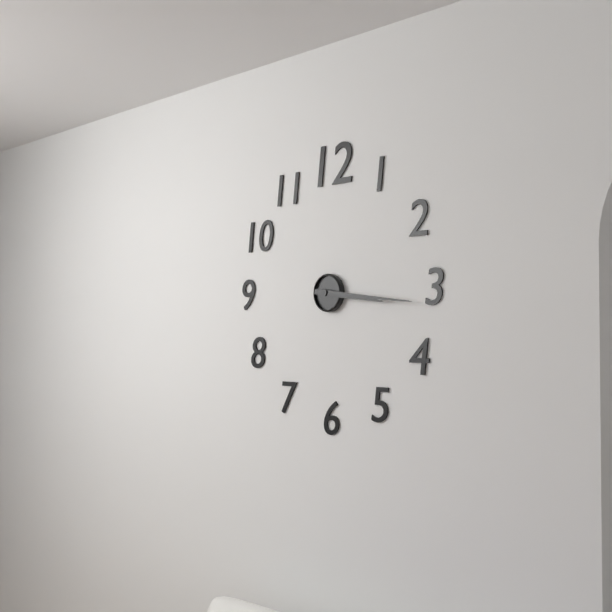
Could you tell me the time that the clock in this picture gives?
3:16
